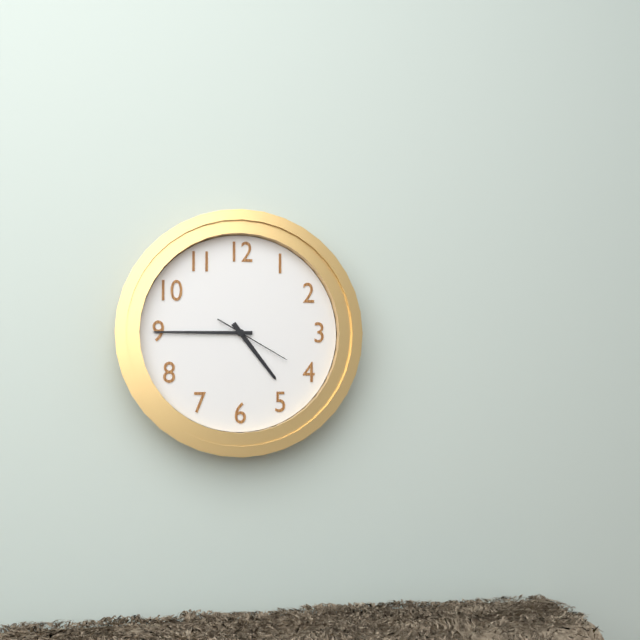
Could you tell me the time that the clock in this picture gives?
4:45:20
